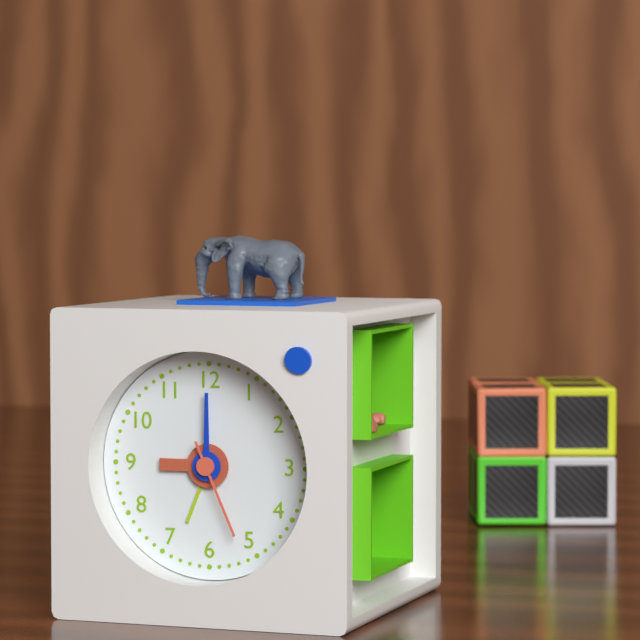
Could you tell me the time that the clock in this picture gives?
9:00:26
